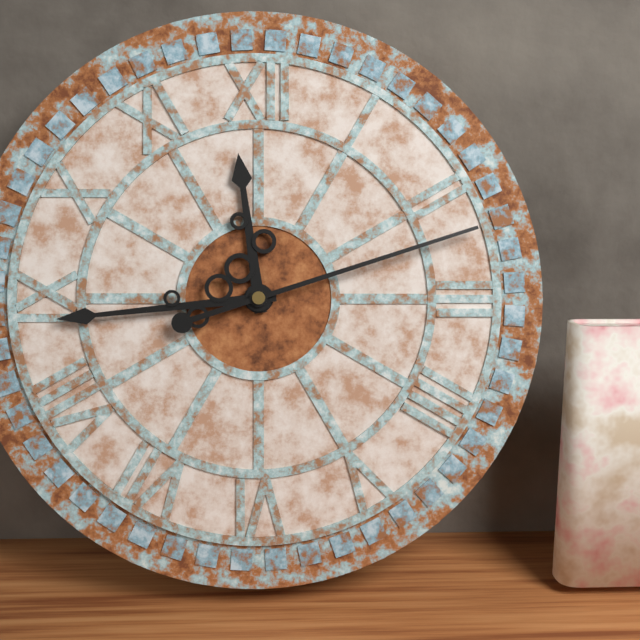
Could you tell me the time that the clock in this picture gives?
11:44:12
